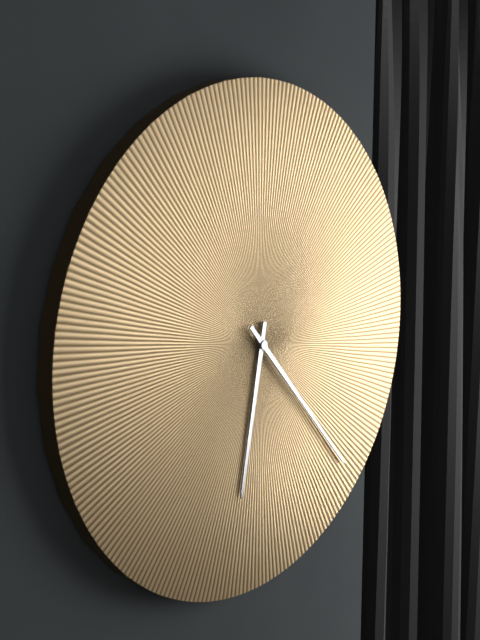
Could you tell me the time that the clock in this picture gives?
6:23
